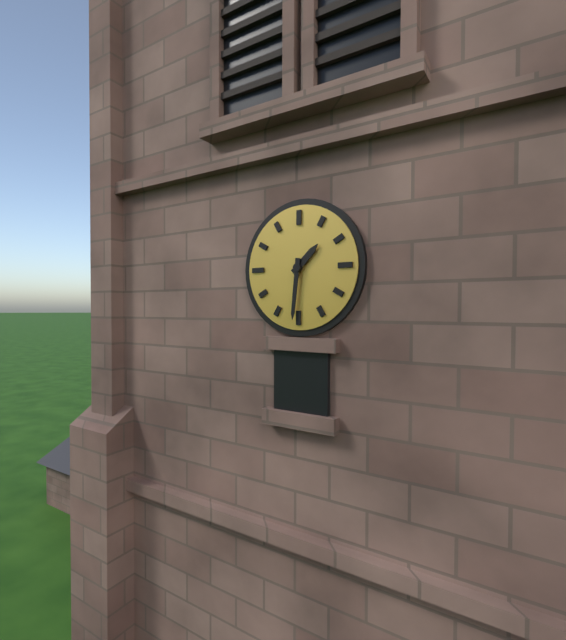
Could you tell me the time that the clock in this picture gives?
1:31
